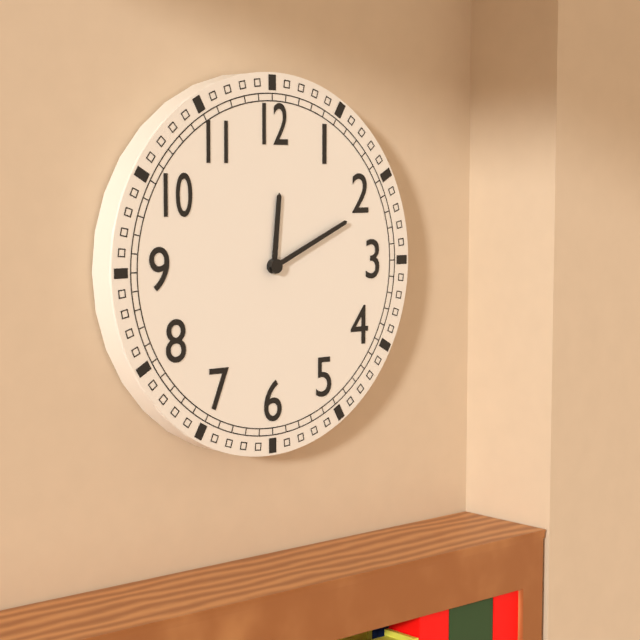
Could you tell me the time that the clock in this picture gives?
12:11
